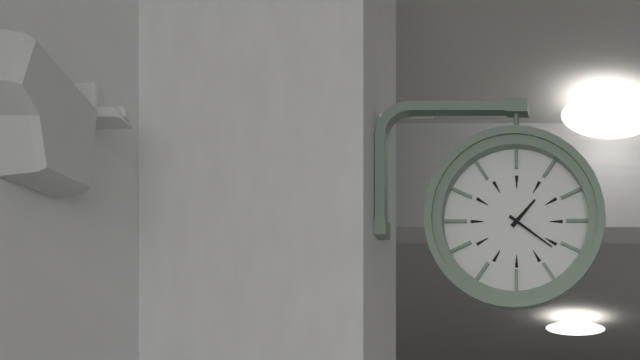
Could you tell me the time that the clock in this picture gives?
1:21
